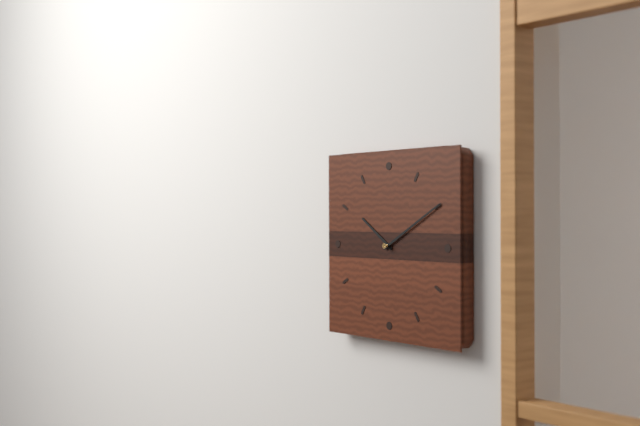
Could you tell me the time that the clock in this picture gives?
10:10
